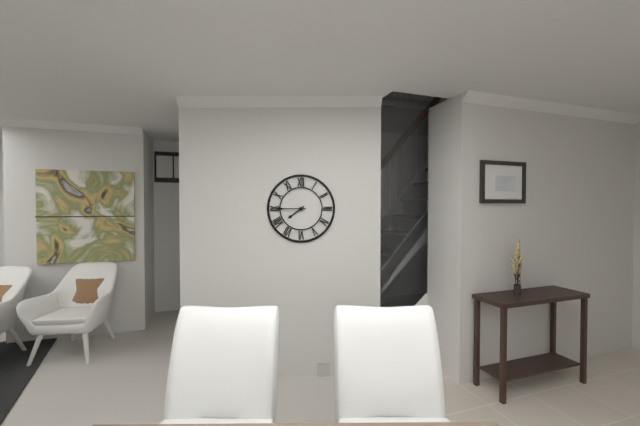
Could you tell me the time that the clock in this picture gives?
7:45
